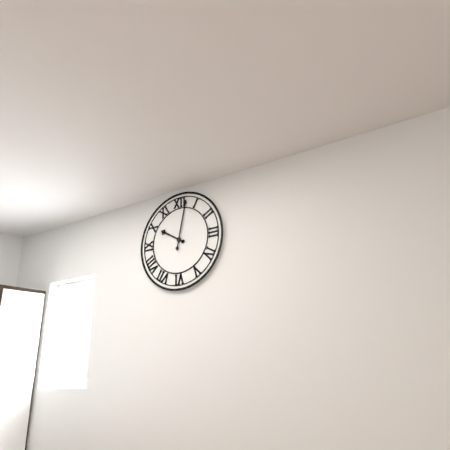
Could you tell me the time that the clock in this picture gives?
10:02
